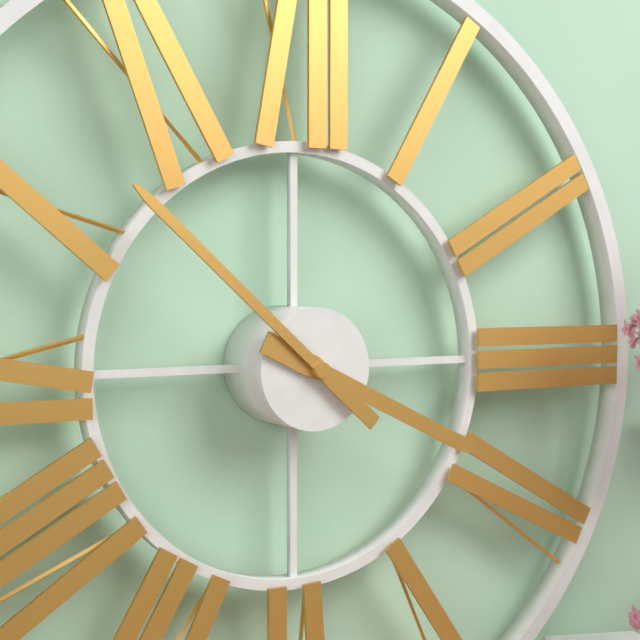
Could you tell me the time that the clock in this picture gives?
3:52
